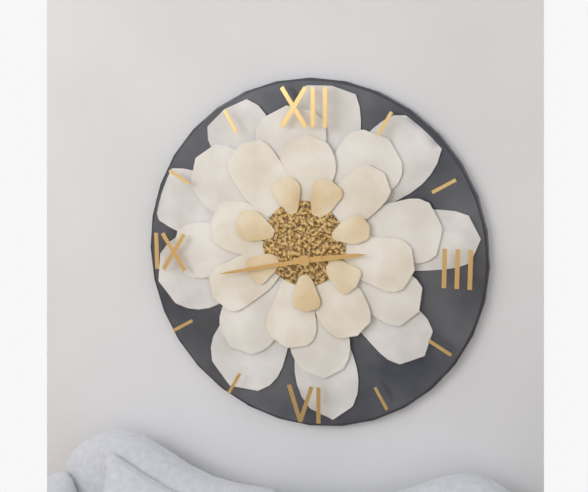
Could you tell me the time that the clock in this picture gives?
2:43
